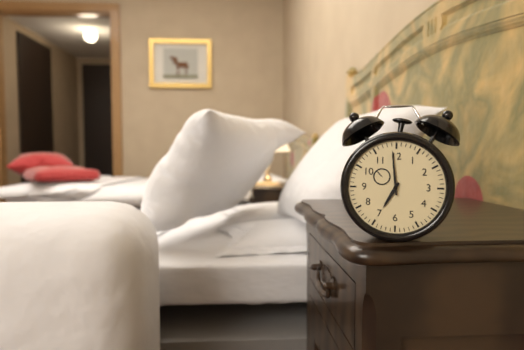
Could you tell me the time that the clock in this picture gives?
6:59
